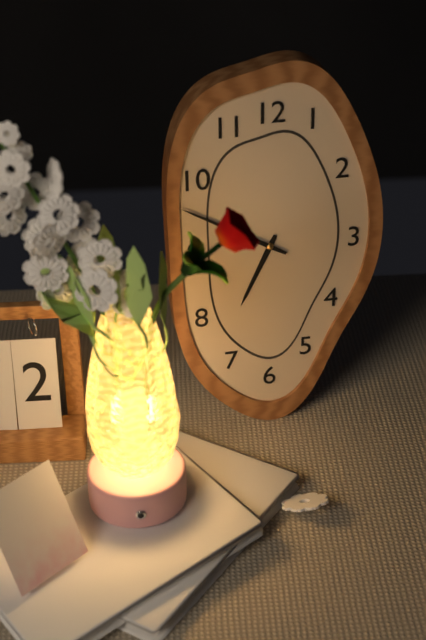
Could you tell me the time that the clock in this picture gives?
6:50
